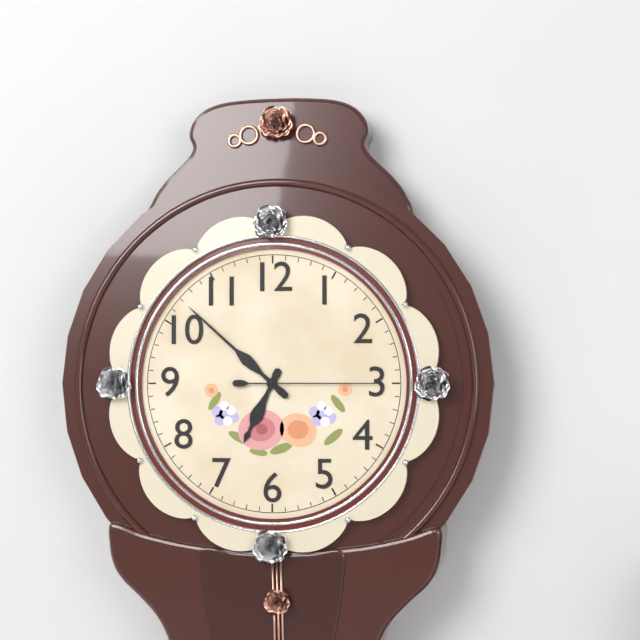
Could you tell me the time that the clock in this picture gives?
6:52:15
